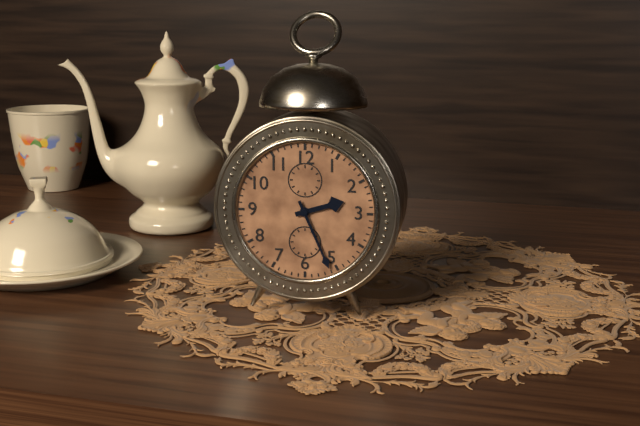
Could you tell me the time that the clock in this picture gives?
2:26
